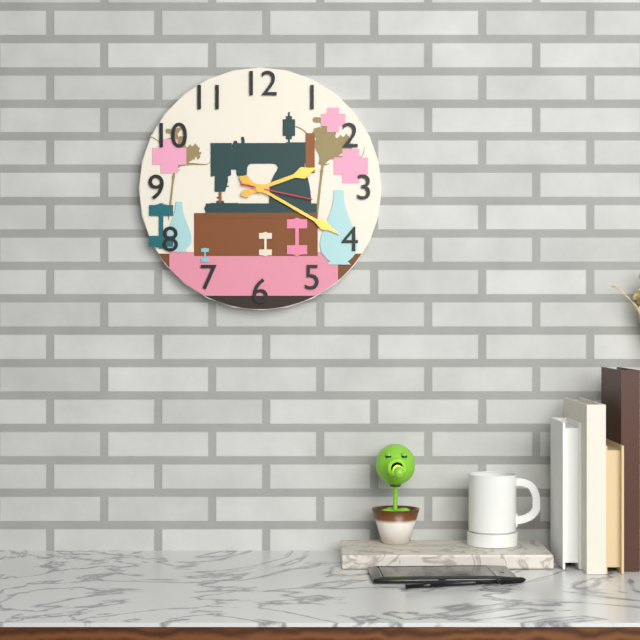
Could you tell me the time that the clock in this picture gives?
2:20:17
